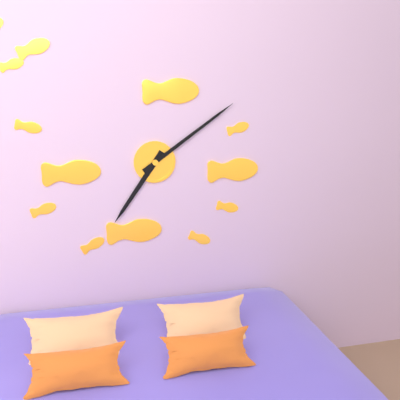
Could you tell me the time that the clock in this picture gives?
7:09
